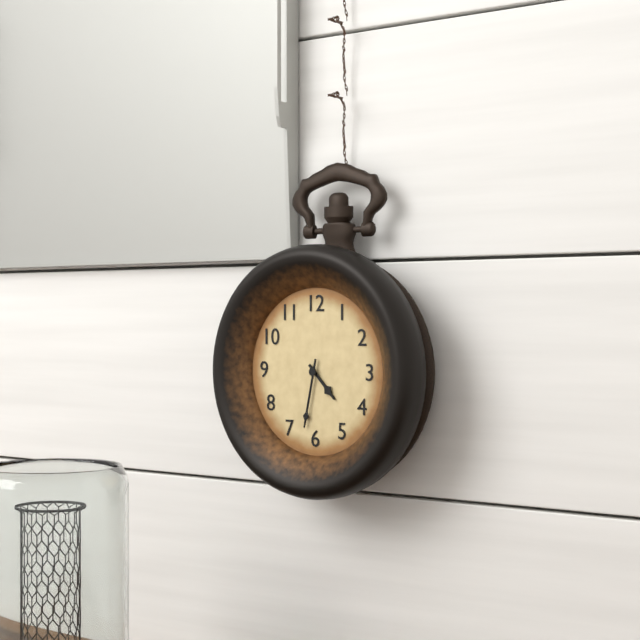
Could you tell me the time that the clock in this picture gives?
4:32
